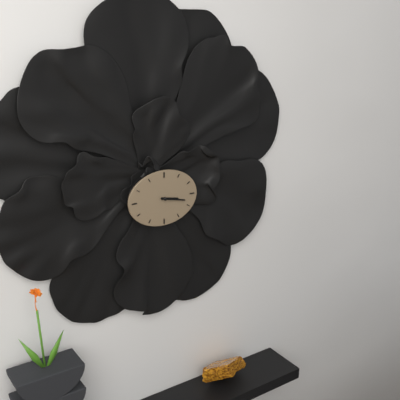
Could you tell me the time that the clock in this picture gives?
3:17
